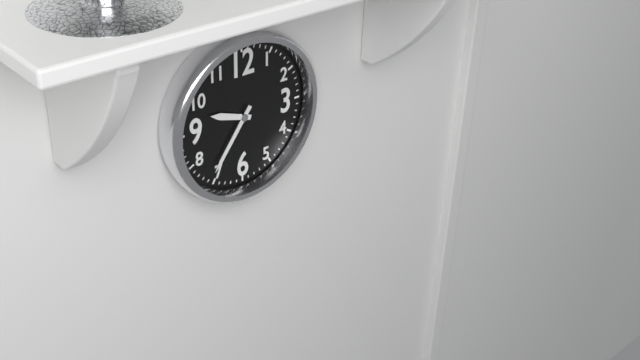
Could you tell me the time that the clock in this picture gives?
9:36
